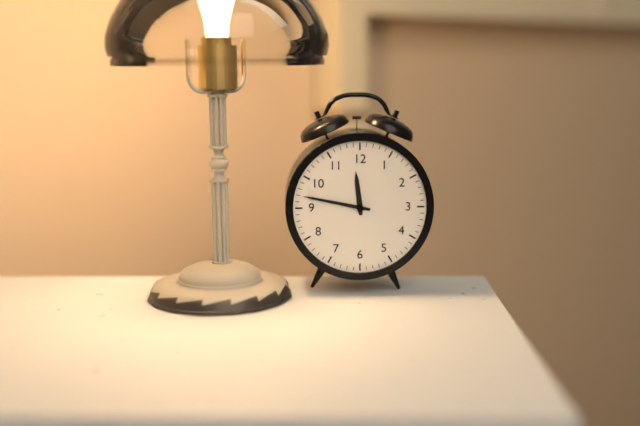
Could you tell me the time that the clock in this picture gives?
11:47
